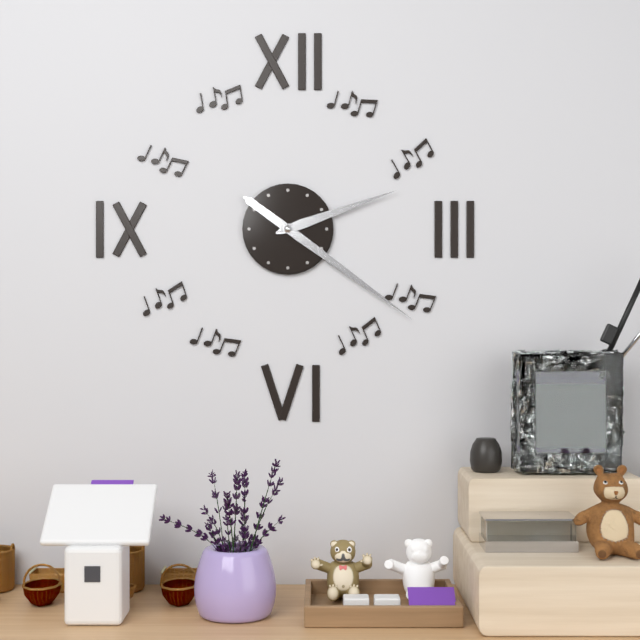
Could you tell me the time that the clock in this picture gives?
2:21
